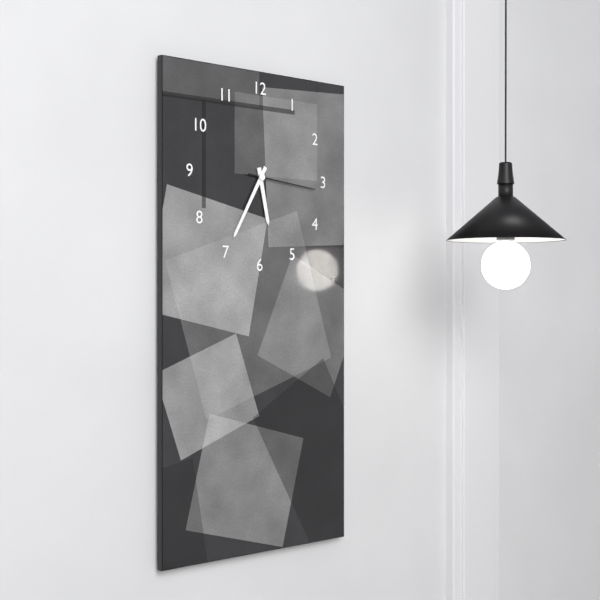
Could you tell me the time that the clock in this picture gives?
5:35:16
